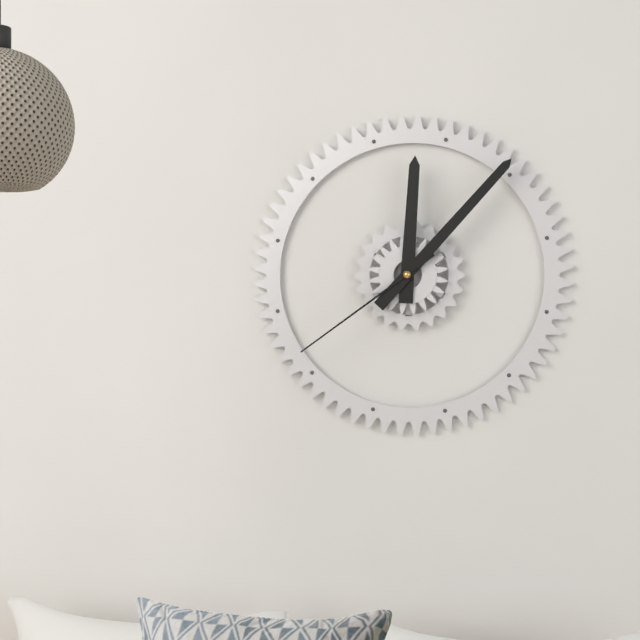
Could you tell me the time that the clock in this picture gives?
12:07:39
